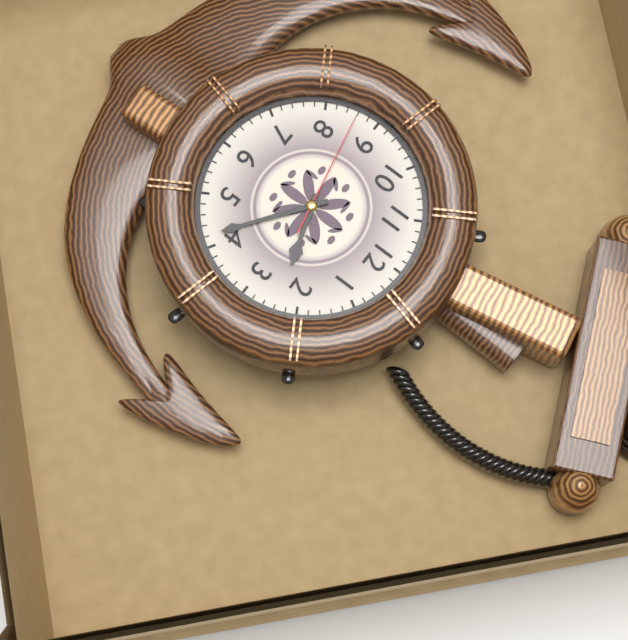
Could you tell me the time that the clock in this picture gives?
2:21:43
